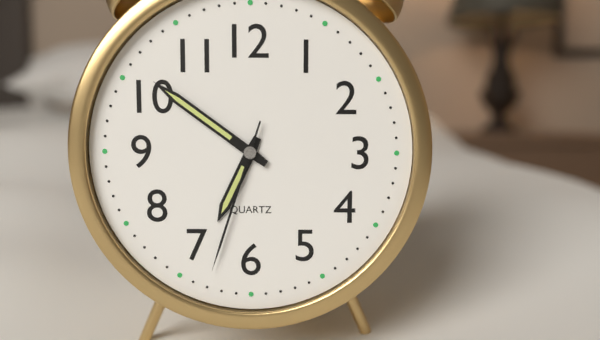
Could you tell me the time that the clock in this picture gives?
6:51:33
